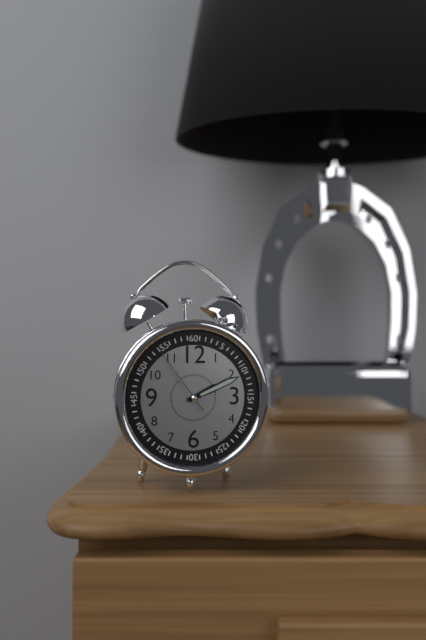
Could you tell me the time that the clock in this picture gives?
2:11:54
